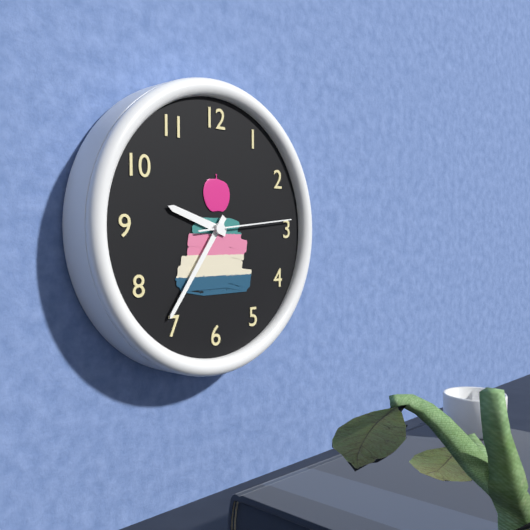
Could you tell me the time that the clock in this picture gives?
9:36:14
